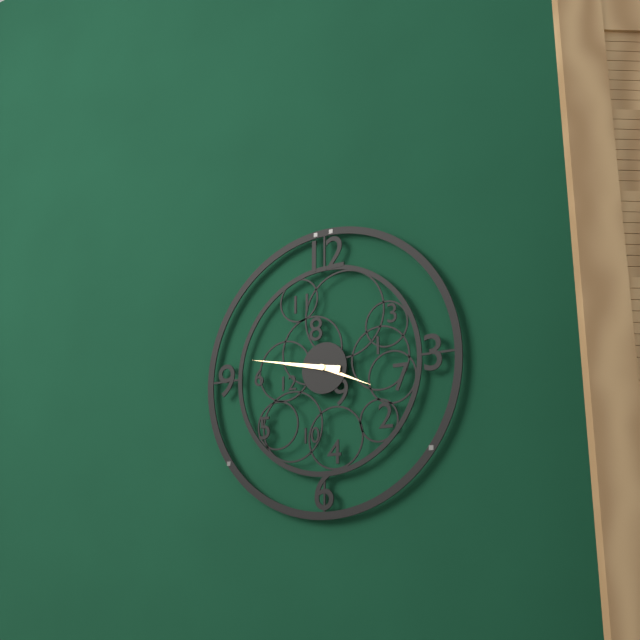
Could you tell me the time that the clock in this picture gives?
3:47
